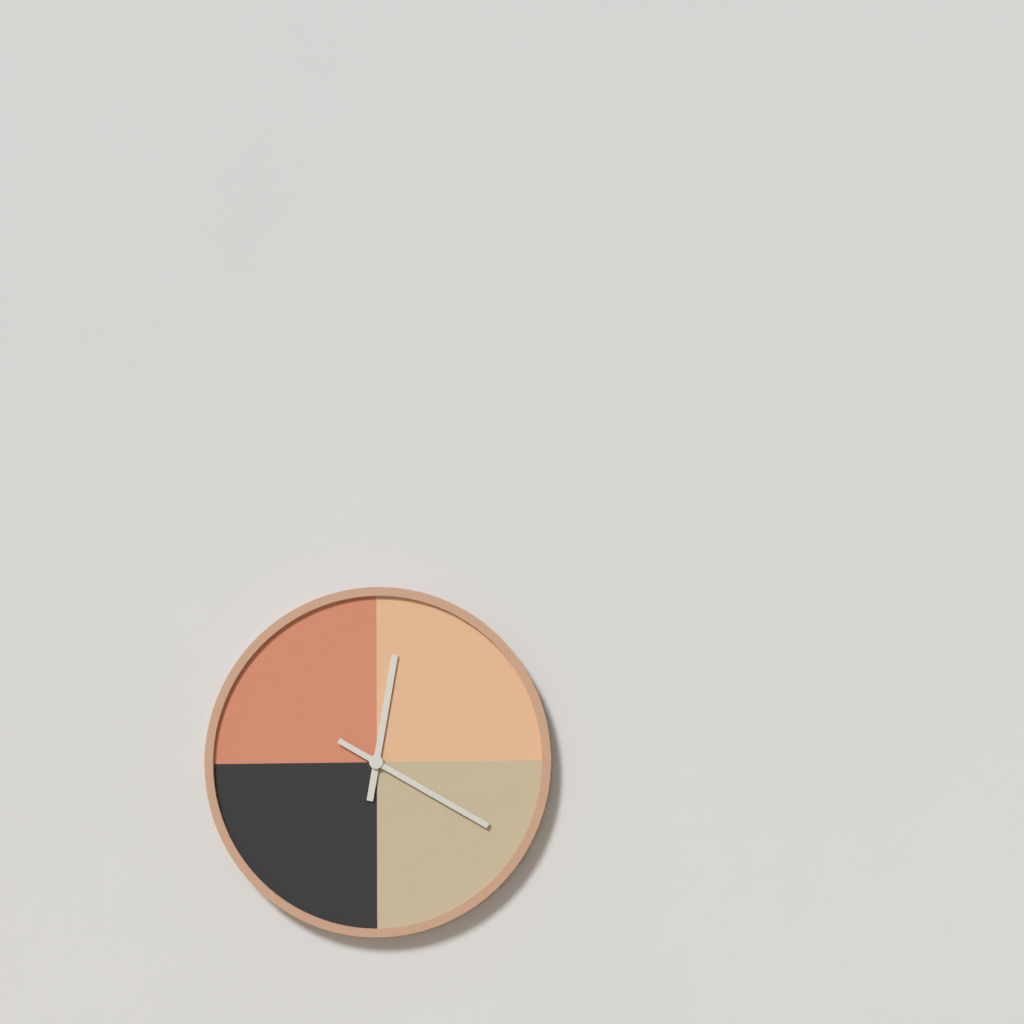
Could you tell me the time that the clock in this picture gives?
12:20
